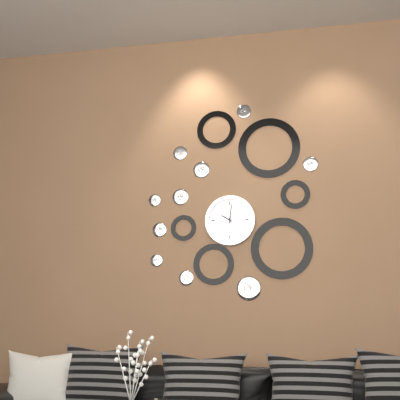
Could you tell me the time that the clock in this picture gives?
10:01
